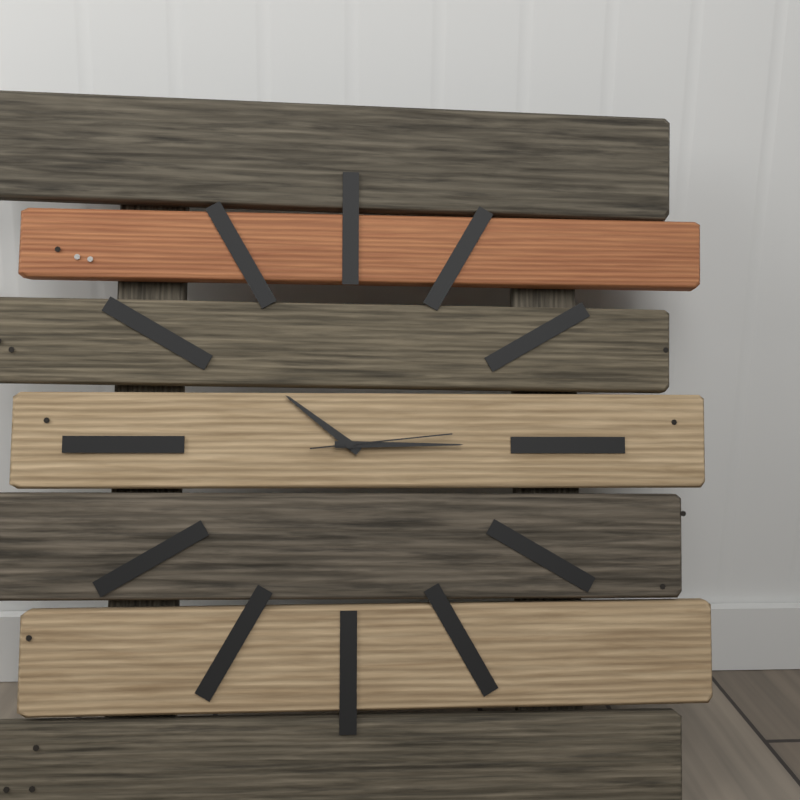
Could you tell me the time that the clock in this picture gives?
10:15:14
